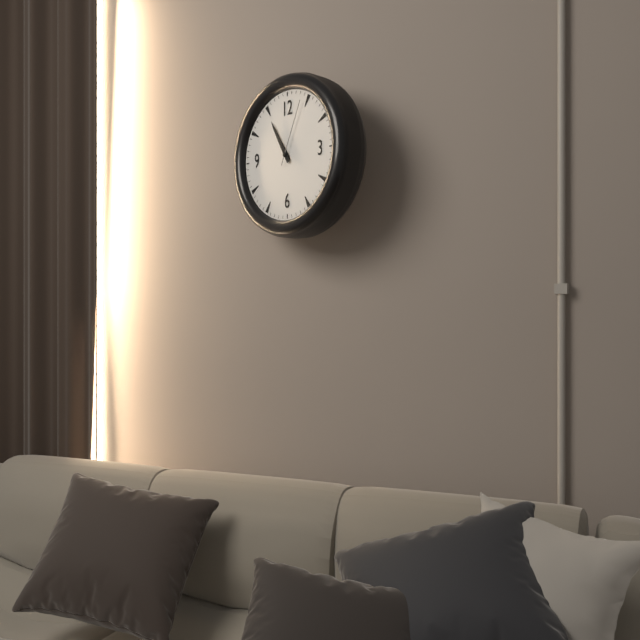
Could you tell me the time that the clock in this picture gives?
10:55:04
